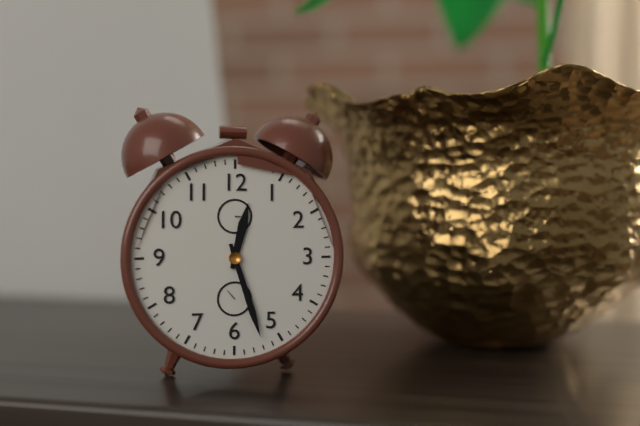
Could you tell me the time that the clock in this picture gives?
12:27
